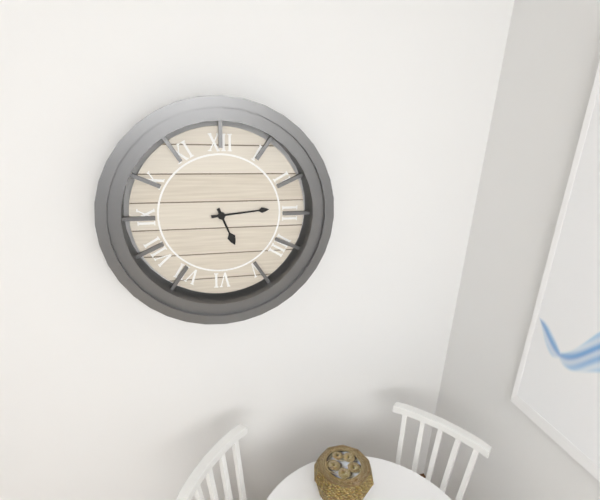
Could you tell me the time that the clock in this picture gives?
5:14
